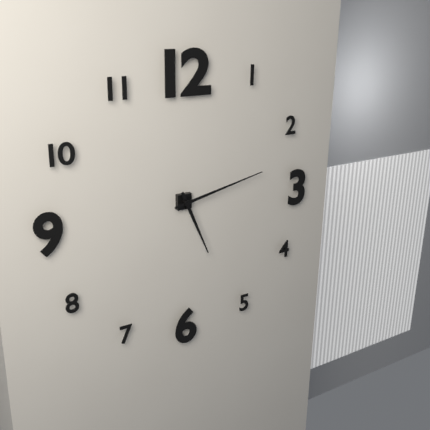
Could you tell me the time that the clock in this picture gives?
5:13
